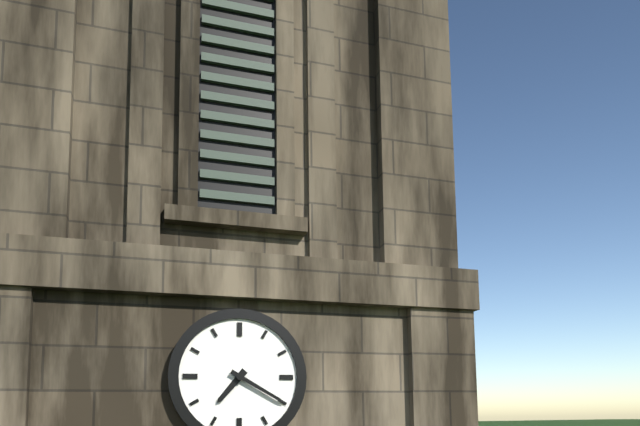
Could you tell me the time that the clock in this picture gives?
7:20
